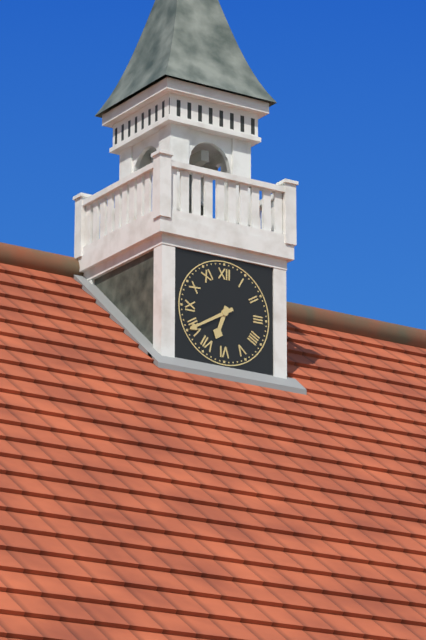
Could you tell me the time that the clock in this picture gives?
6:40
